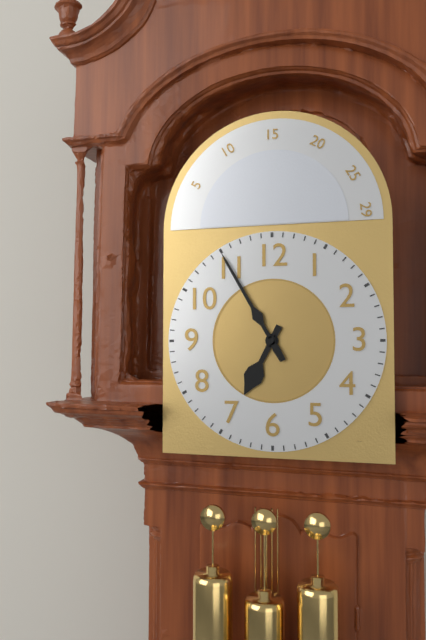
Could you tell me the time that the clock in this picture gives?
6:55
